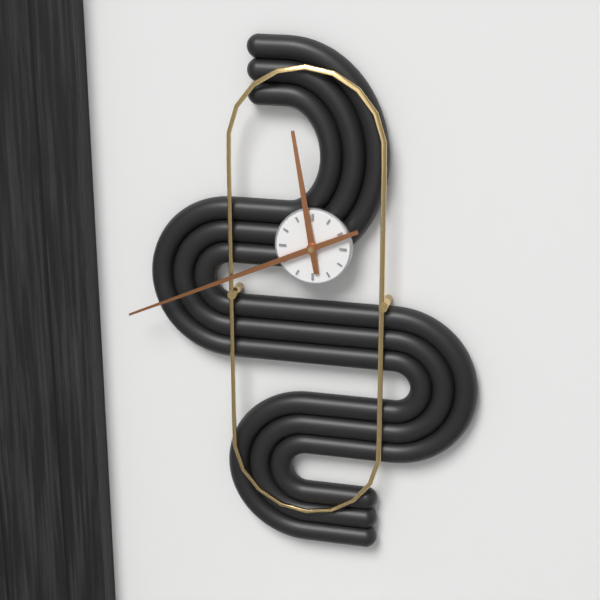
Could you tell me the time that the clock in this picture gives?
11:41
